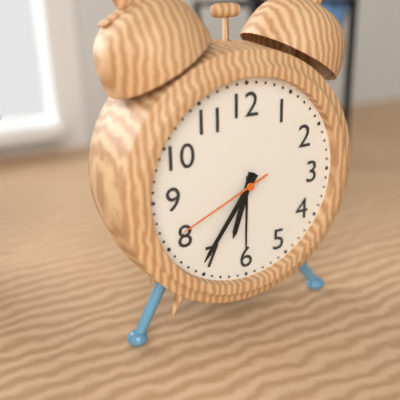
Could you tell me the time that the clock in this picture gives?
6:36:41
